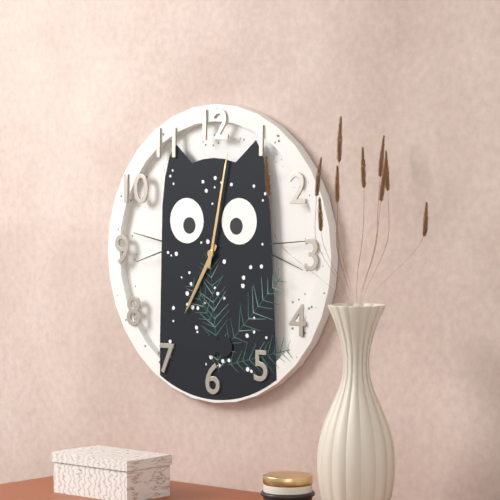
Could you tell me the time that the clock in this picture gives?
7:02
